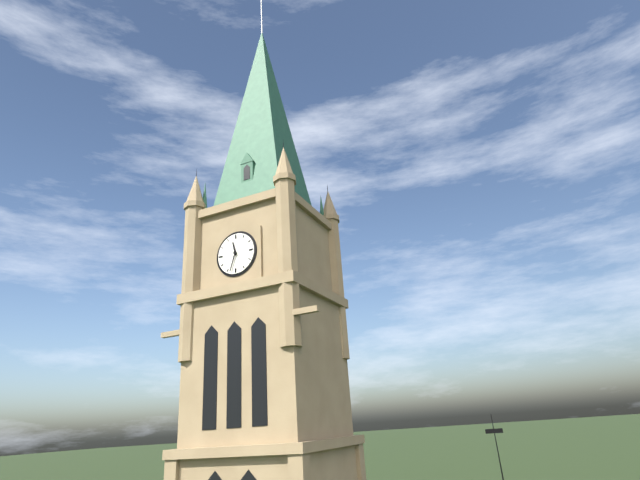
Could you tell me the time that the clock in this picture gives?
11:33
